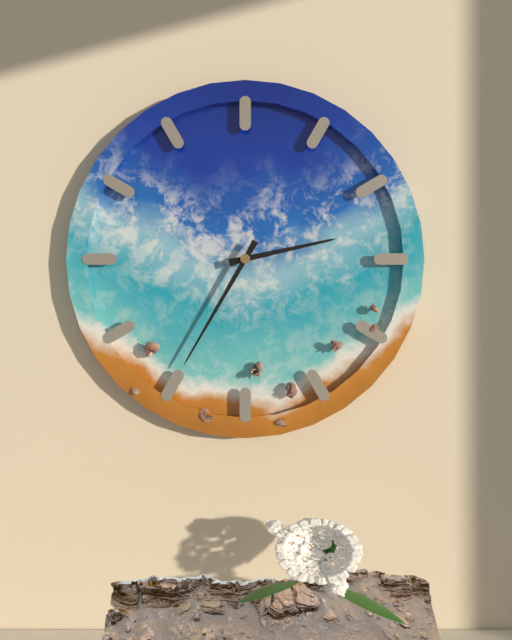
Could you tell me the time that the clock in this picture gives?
2:35
